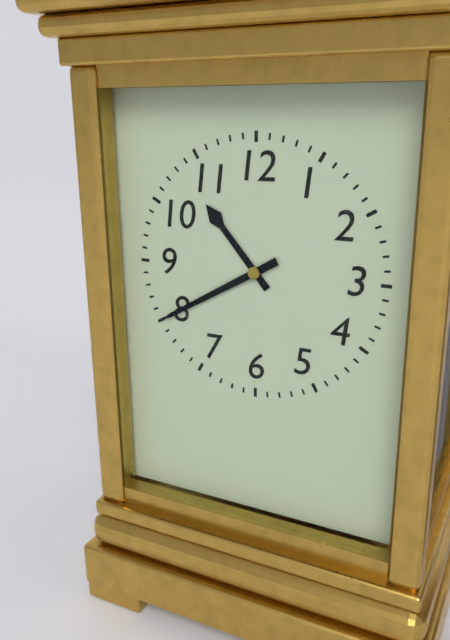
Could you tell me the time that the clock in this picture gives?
10:40
